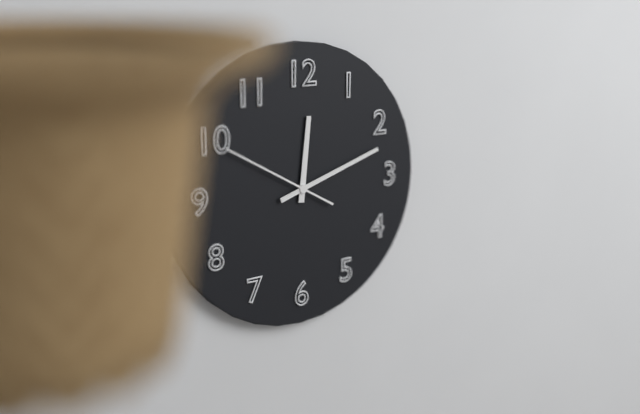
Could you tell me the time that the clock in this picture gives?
12:12:50
